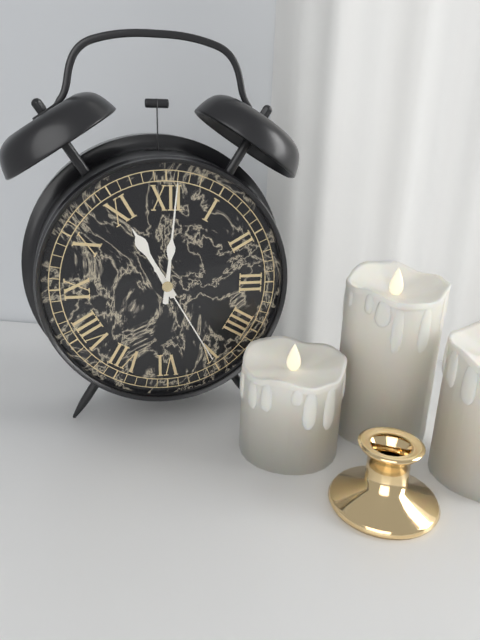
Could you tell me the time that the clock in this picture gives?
11:01:25
